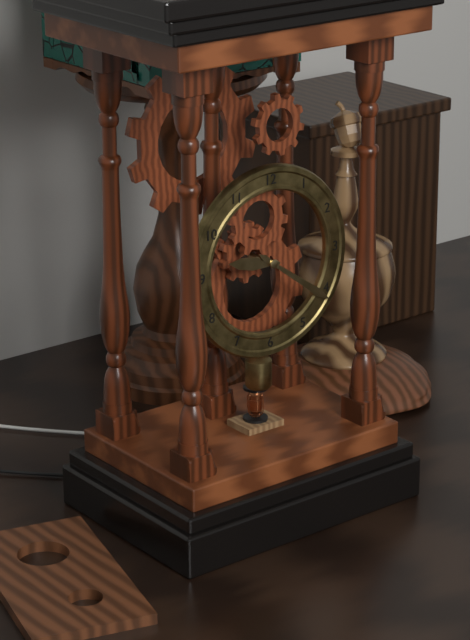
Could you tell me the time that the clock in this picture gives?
9:21
